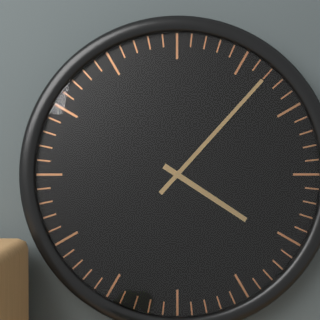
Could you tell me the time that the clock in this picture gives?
4:07
